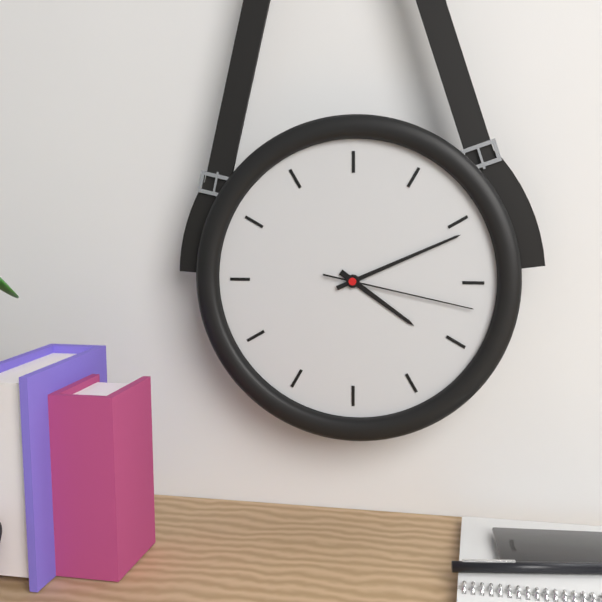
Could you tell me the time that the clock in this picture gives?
4:11:17
